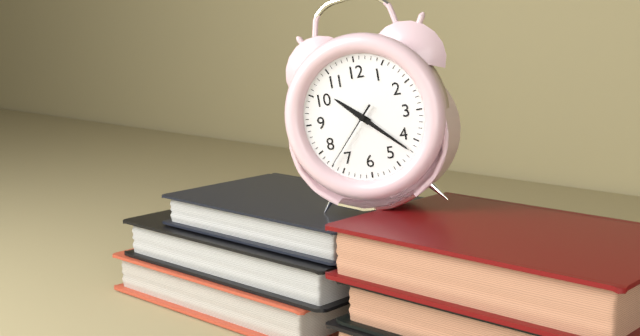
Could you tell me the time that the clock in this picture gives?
10:22:37
